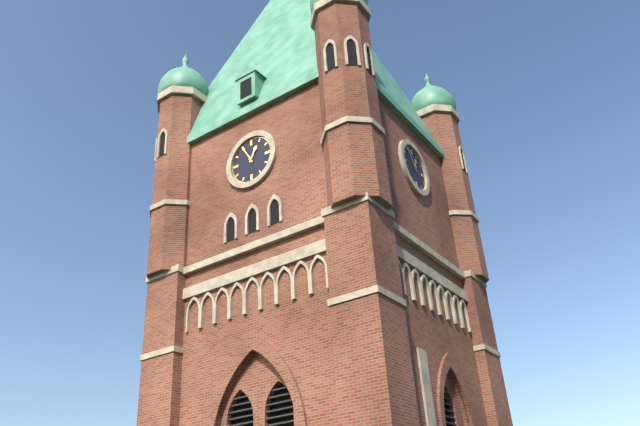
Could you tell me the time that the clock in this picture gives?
12:55
